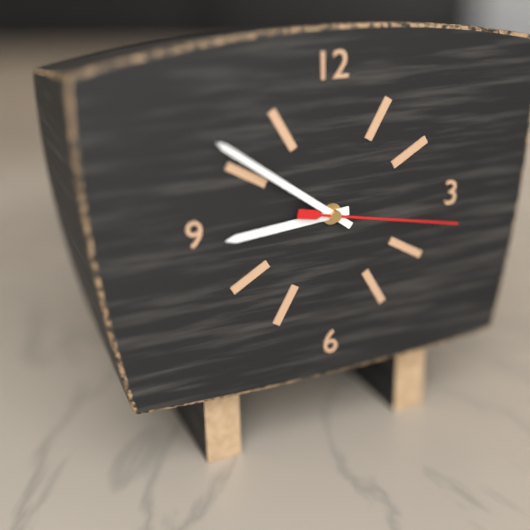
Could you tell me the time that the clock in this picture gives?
8:51:17
